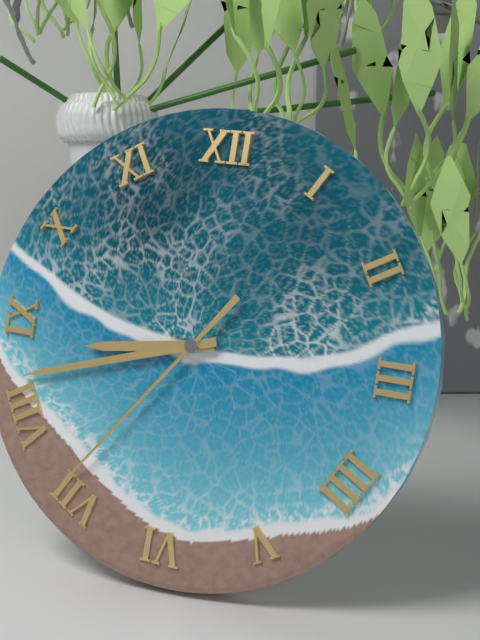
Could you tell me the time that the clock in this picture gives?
8:42:36
